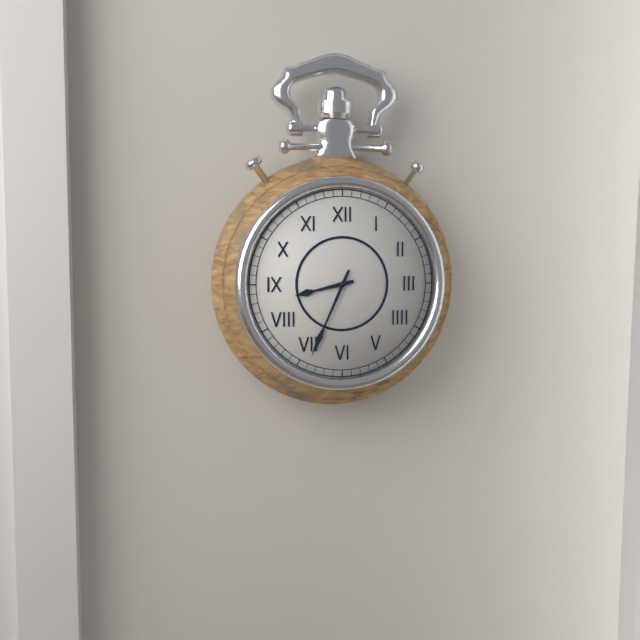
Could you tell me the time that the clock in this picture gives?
8:34
